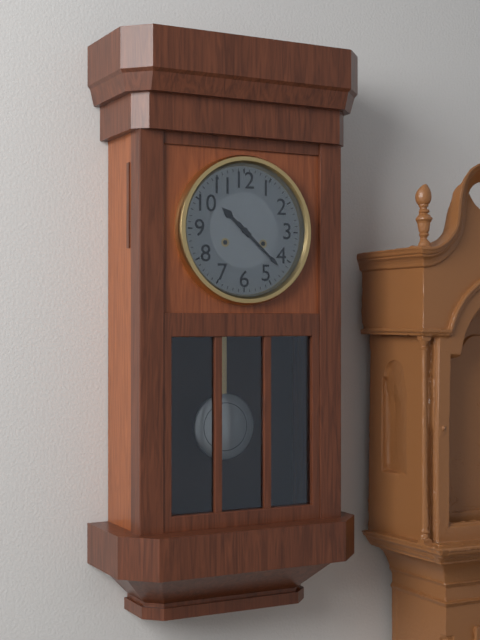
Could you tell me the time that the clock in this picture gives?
10:22
